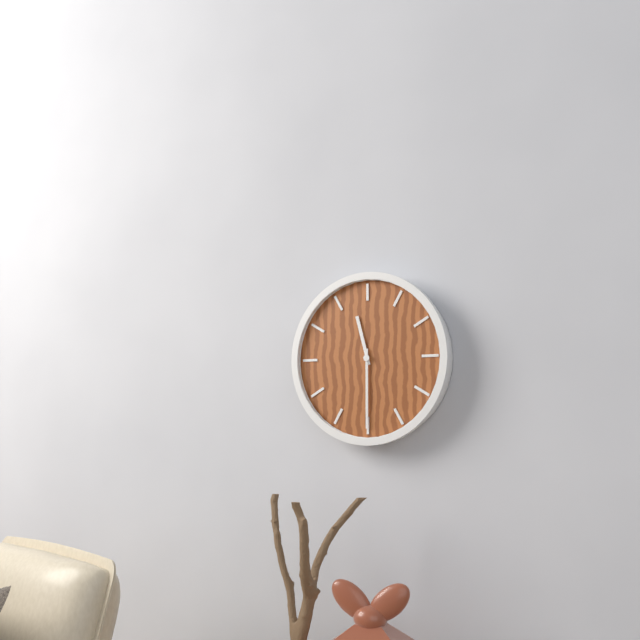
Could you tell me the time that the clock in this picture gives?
11:30
